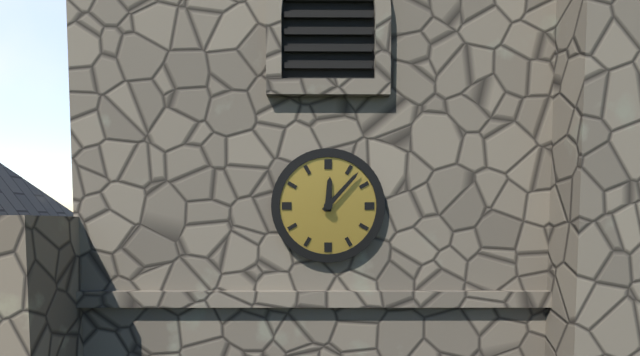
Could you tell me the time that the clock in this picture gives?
12:07
